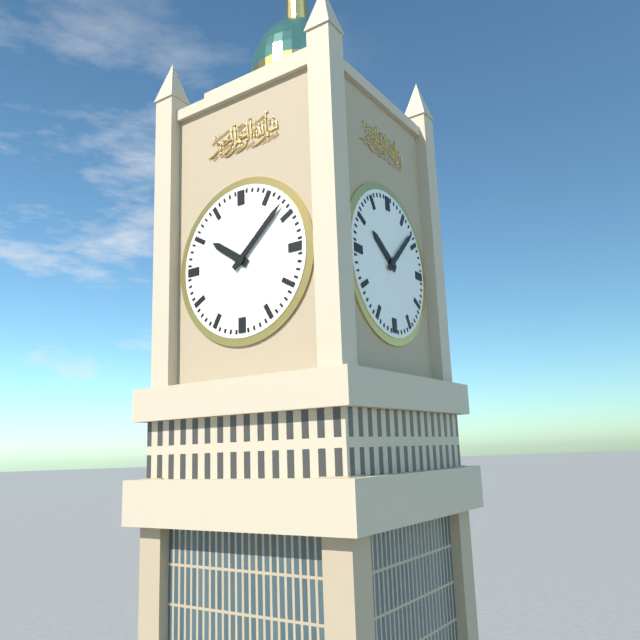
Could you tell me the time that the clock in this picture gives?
10:08
